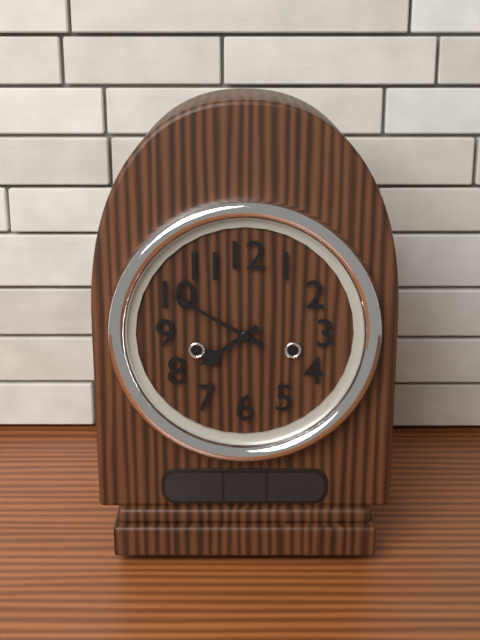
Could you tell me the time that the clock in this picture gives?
7:50
